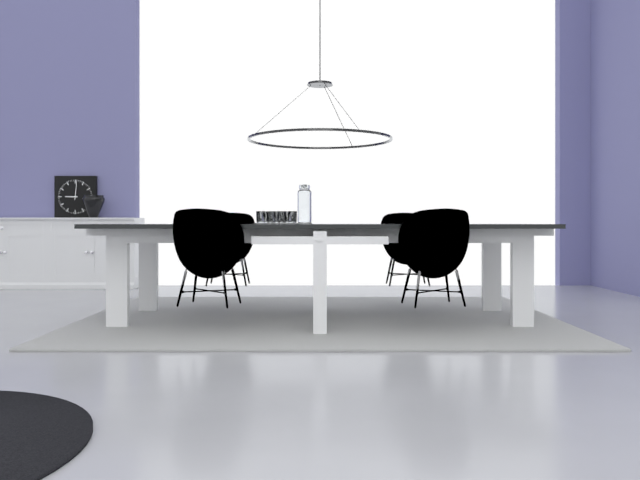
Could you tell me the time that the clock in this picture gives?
9:01
